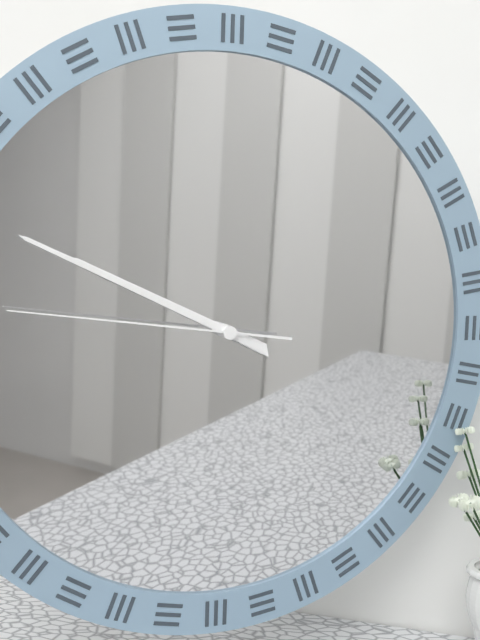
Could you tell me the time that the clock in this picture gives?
9:49:46
